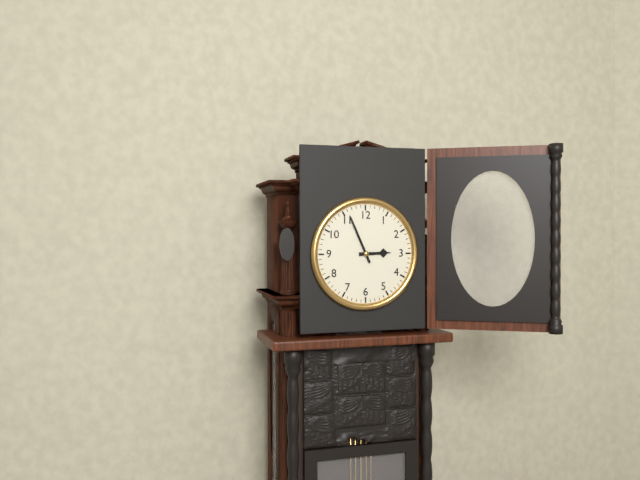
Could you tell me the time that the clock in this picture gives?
2:56
